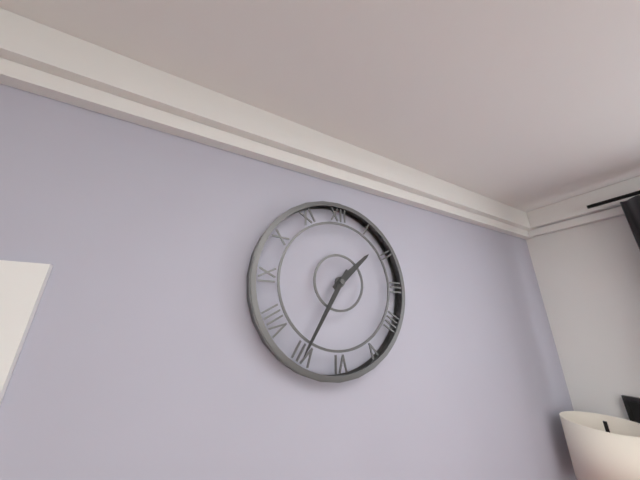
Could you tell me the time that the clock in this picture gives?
1:35
